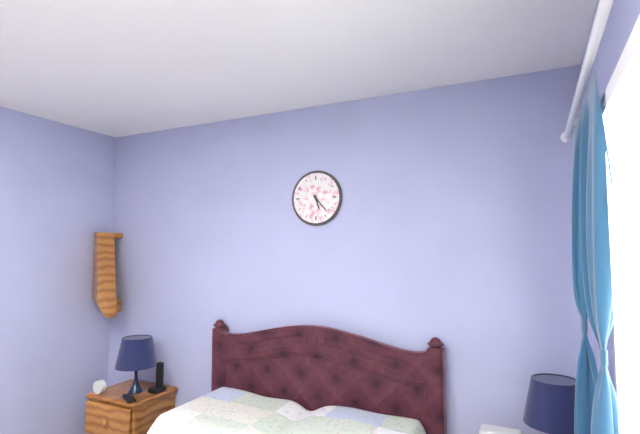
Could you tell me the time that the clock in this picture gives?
5:23
